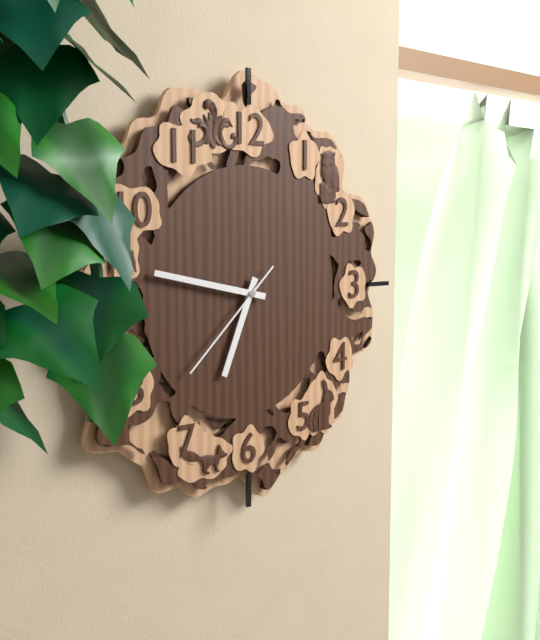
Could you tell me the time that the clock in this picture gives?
6:47:38
